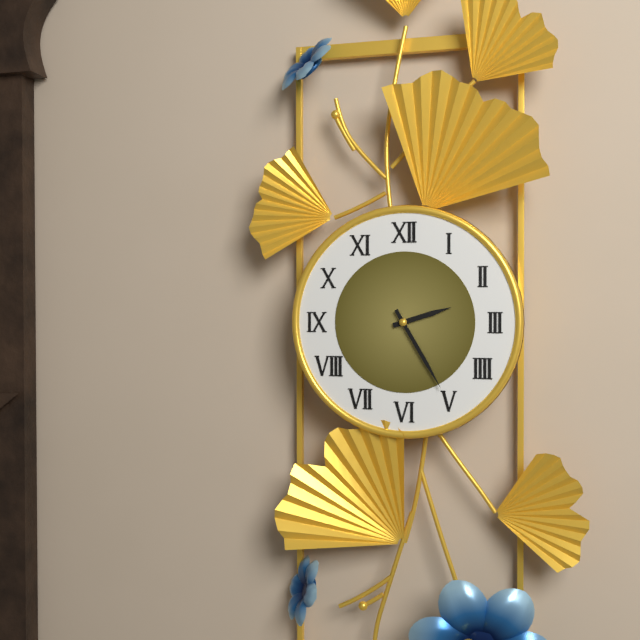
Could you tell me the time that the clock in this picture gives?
2:25
